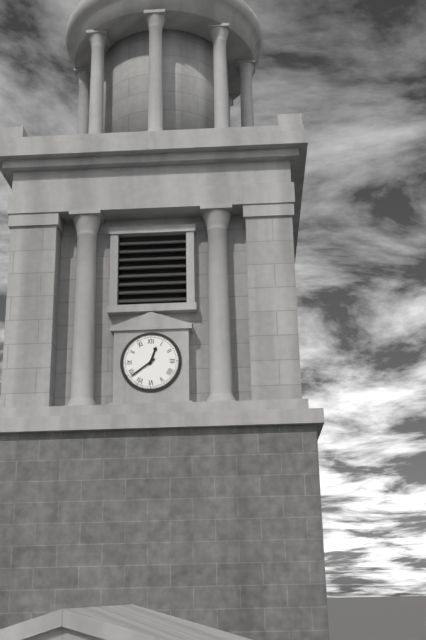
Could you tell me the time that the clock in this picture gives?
12:39
